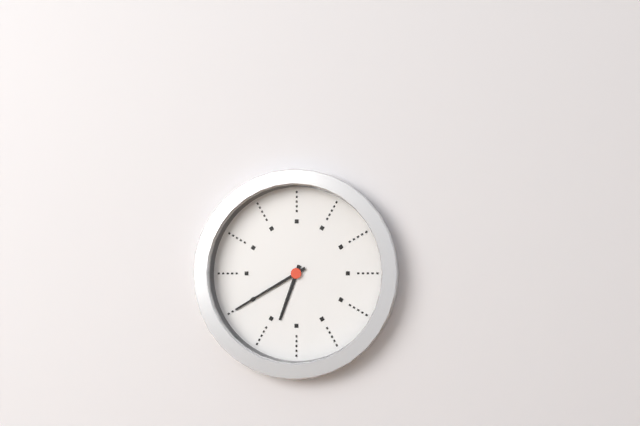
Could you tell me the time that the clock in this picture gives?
6:40
